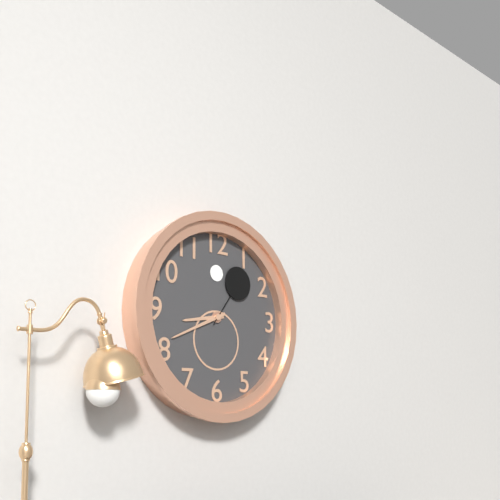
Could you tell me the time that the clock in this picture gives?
8:41:06
